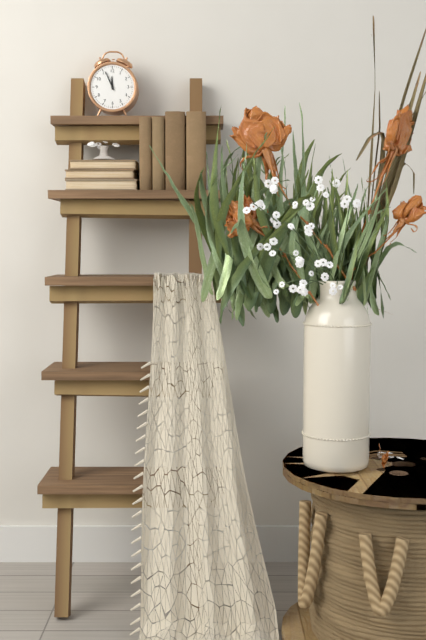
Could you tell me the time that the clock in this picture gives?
11:56
